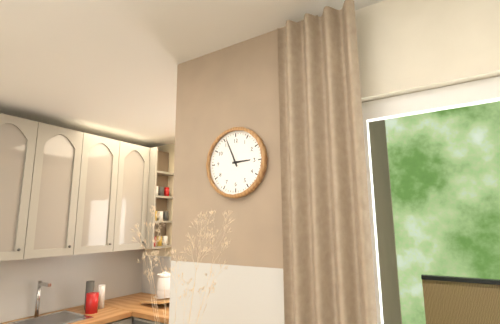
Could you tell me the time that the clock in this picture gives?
2:56
